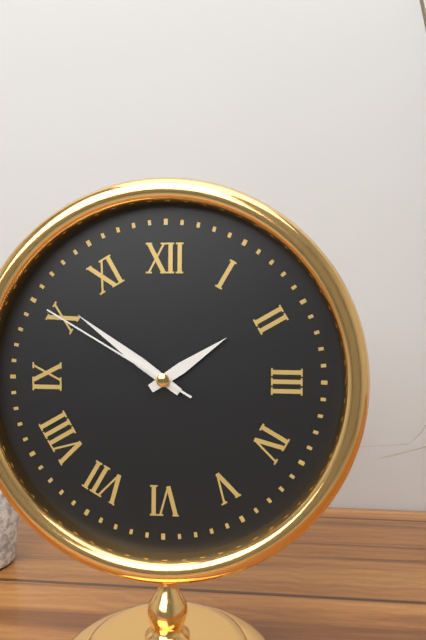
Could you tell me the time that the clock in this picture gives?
1:51:50
